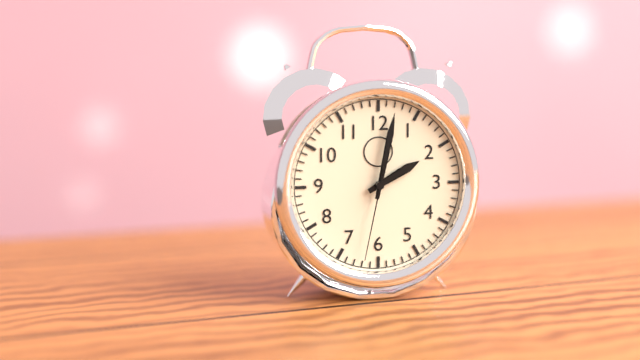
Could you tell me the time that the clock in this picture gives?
2:02:32
